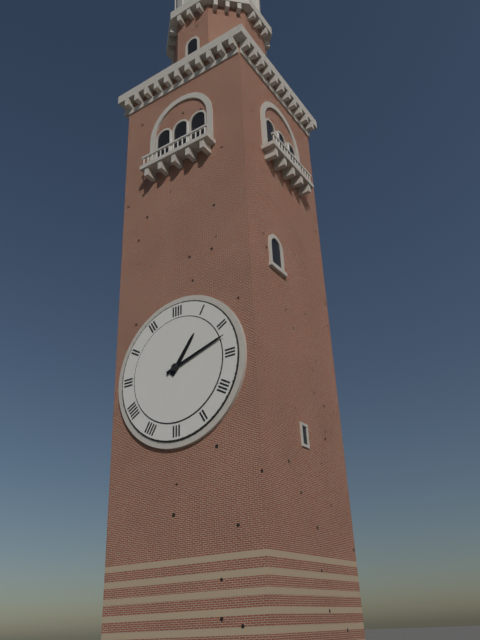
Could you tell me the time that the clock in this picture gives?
1:12
